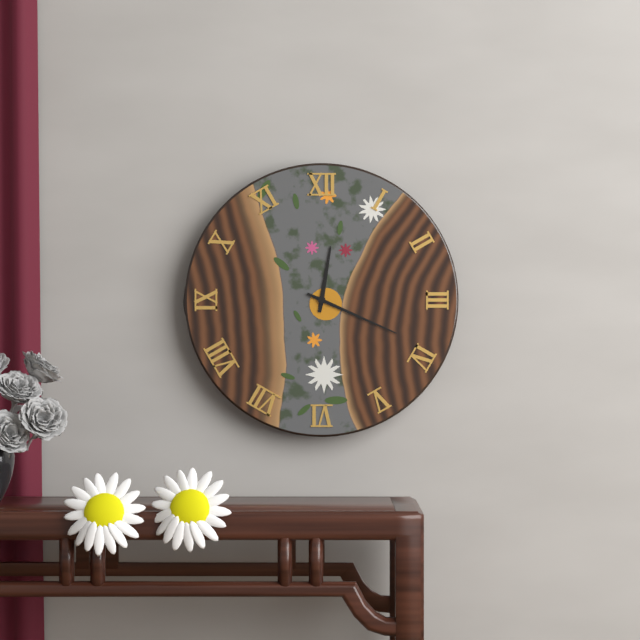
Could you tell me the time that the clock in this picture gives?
12:19
